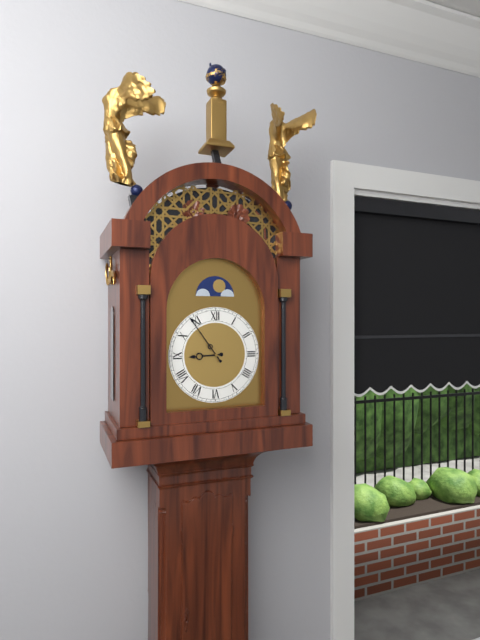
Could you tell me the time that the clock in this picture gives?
8:54
